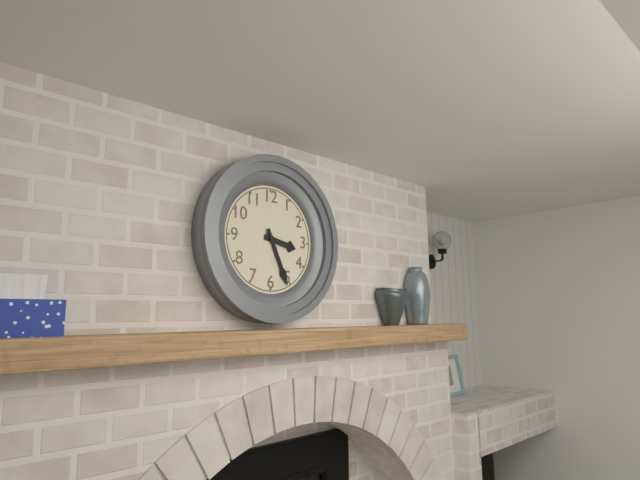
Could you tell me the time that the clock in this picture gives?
3:26
